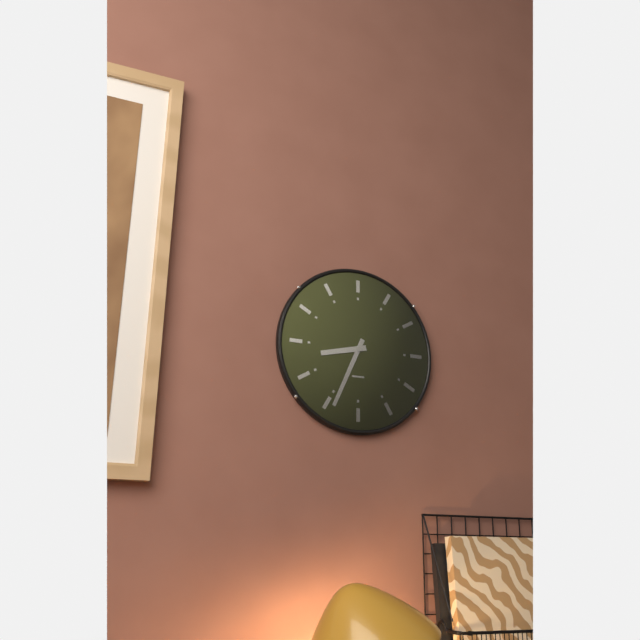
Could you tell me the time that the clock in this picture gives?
8:34
